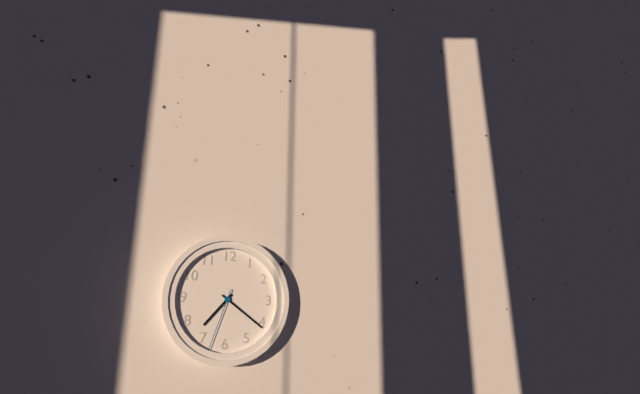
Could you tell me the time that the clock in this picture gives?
7:21:33
